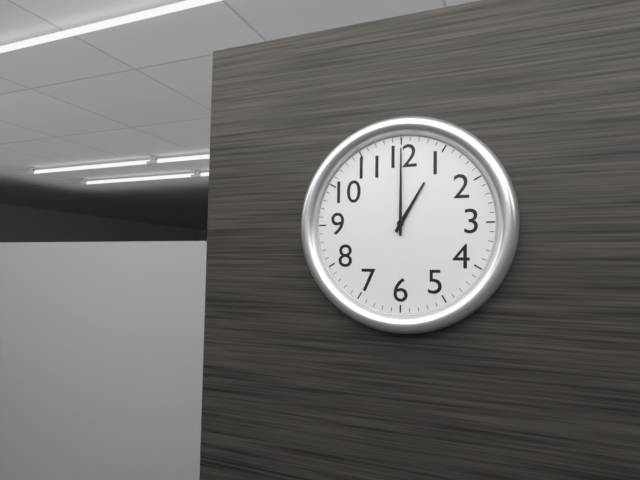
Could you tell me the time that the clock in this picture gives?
1:00
